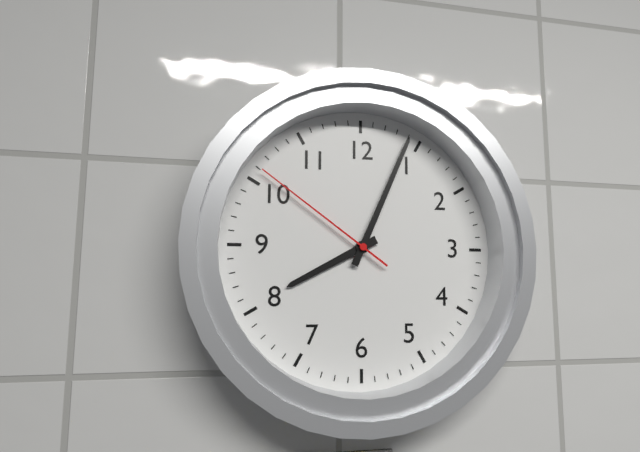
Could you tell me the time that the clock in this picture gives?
8:04:51
